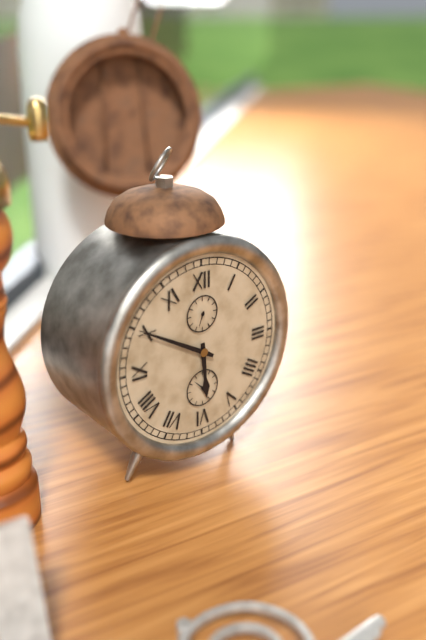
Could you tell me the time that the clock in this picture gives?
5:50
